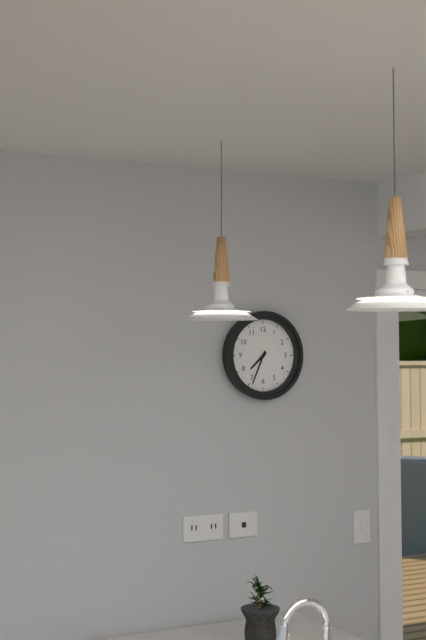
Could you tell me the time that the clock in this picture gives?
7:34
